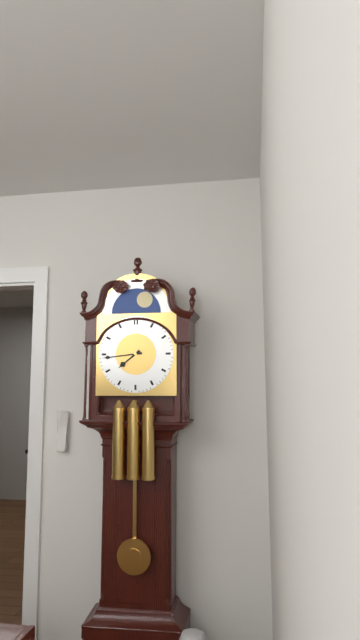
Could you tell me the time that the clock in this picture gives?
7:44
